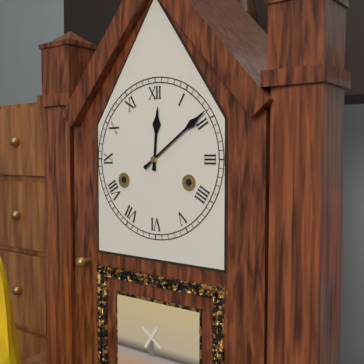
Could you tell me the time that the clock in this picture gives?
12:09
